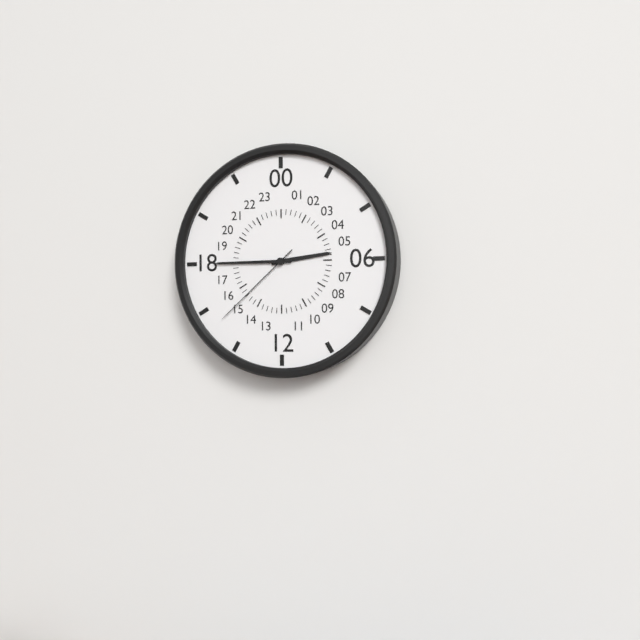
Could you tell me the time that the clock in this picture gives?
2:45:38
